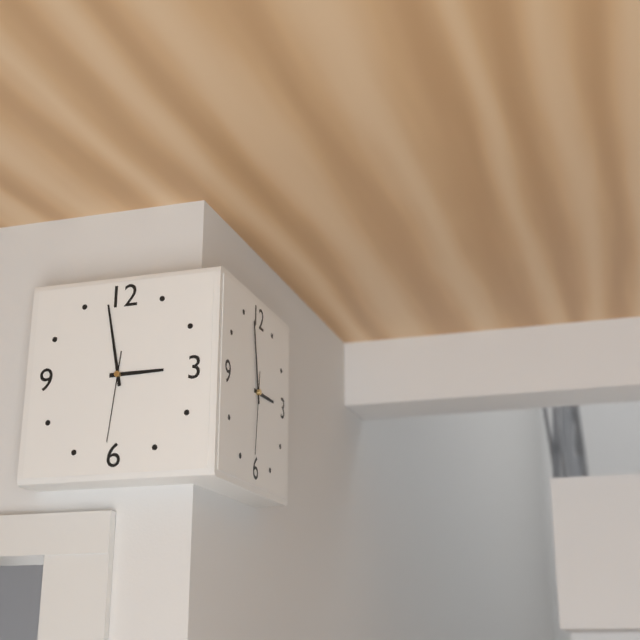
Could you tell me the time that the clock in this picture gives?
2:58:31
